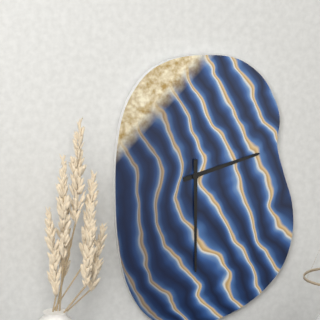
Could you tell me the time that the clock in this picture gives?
2:30
